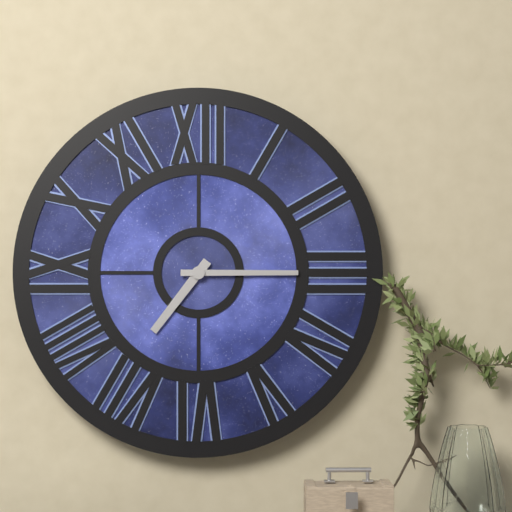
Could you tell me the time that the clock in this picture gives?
7:15
